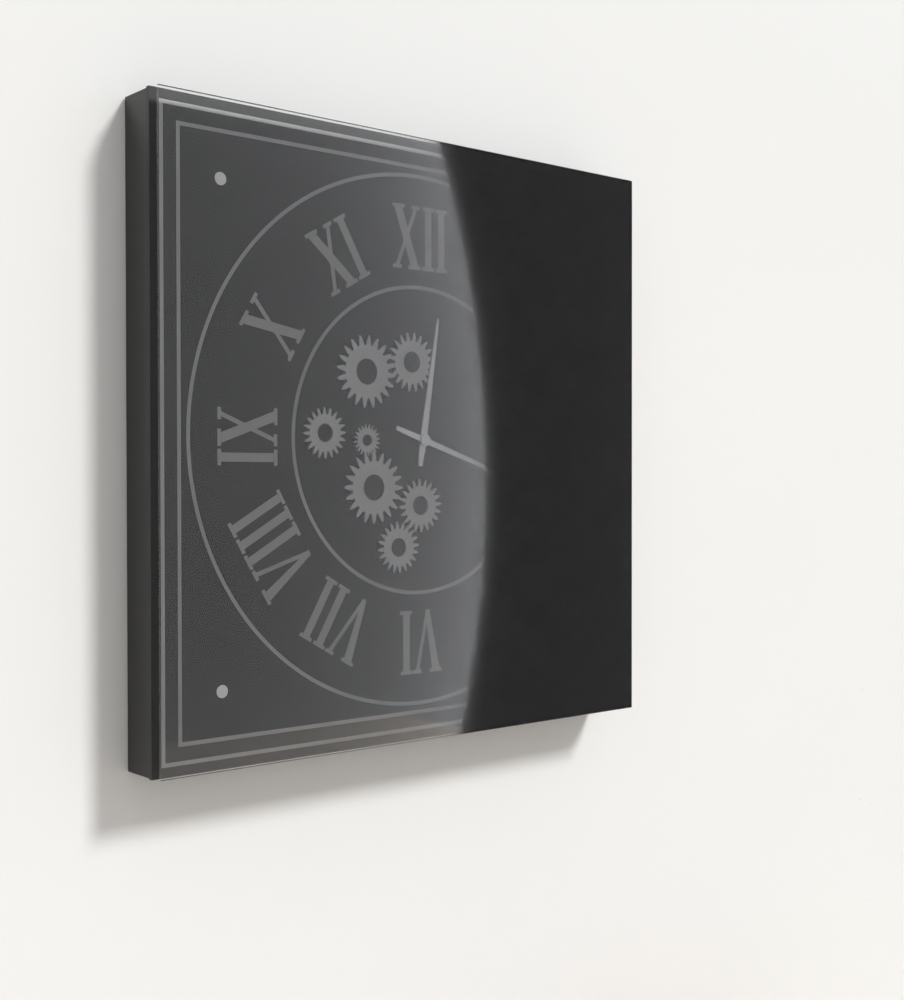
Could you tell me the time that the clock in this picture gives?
12:18
